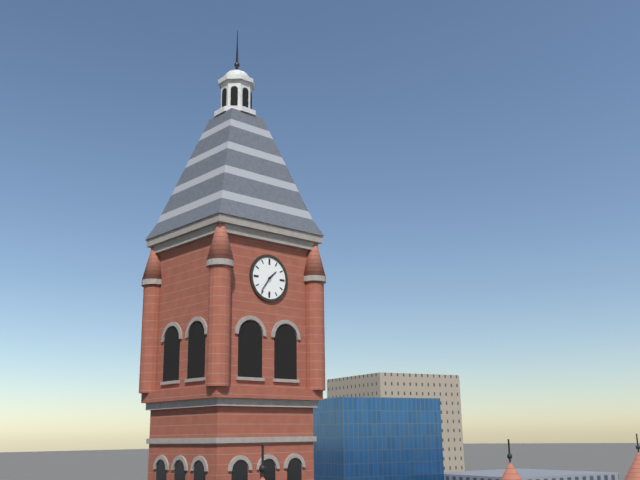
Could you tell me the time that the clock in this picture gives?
1:36
